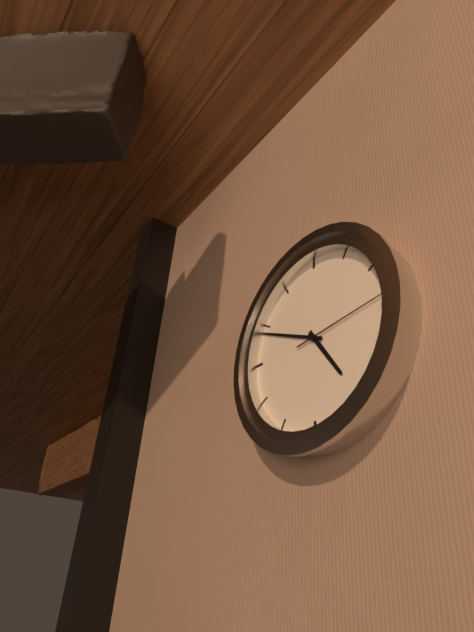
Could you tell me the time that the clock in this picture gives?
4:49:14
